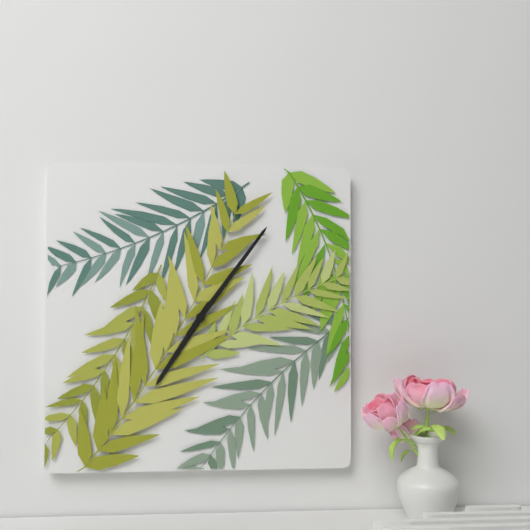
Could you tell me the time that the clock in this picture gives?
7:06
